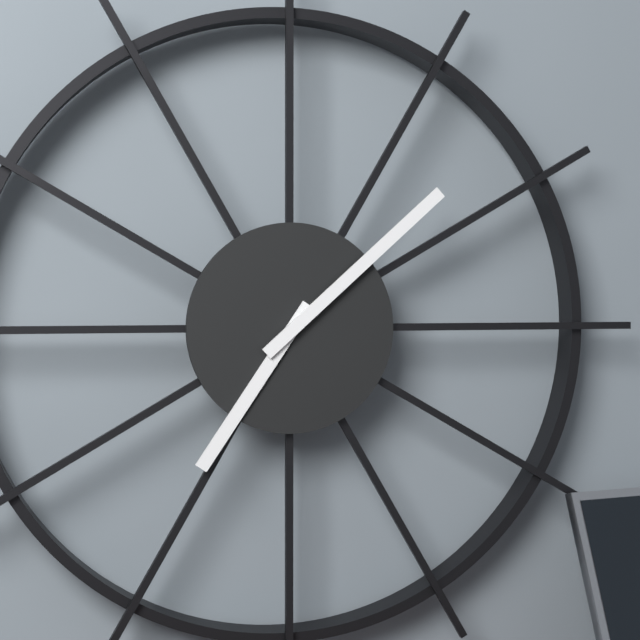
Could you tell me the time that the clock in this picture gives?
7:08
